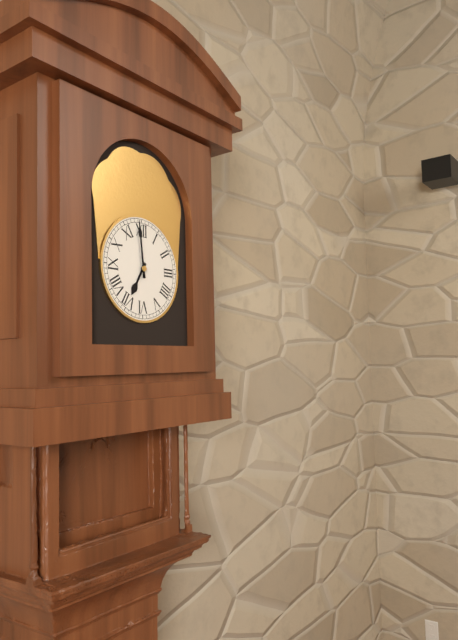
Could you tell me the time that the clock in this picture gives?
6:59
